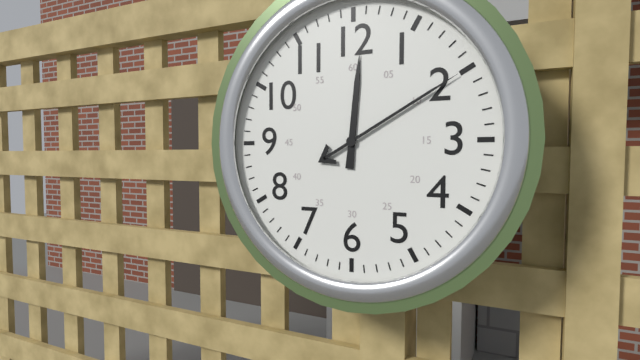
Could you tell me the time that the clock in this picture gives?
12:10
